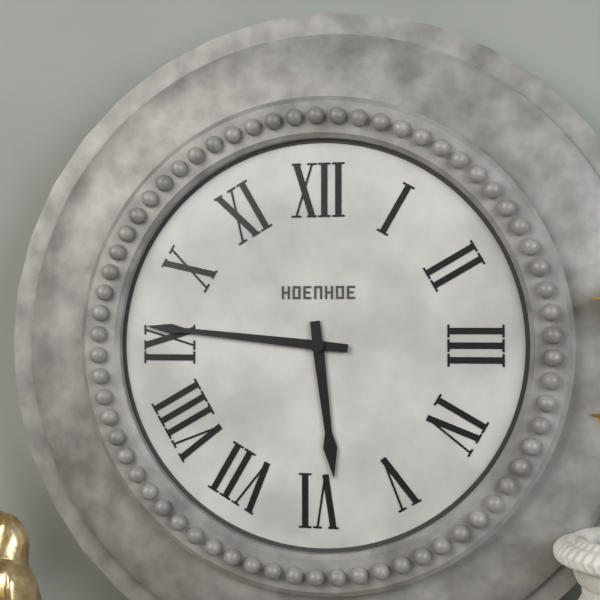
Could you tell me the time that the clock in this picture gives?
5:46
